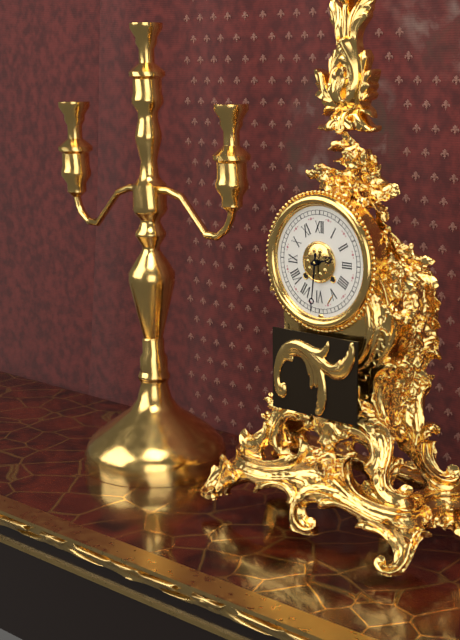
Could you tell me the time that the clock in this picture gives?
2:31
